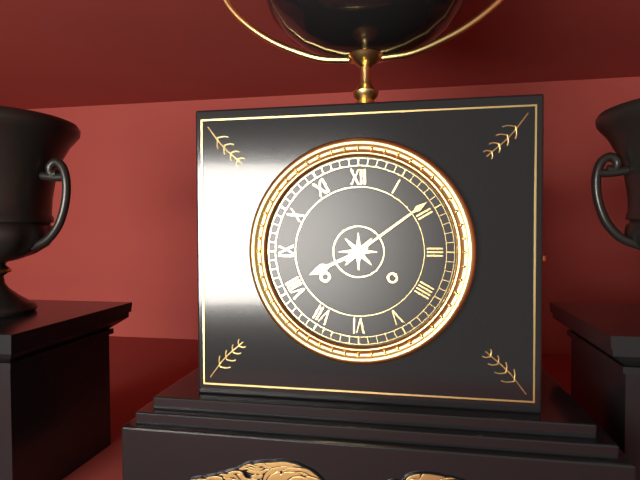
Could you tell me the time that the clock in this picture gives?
8:09
